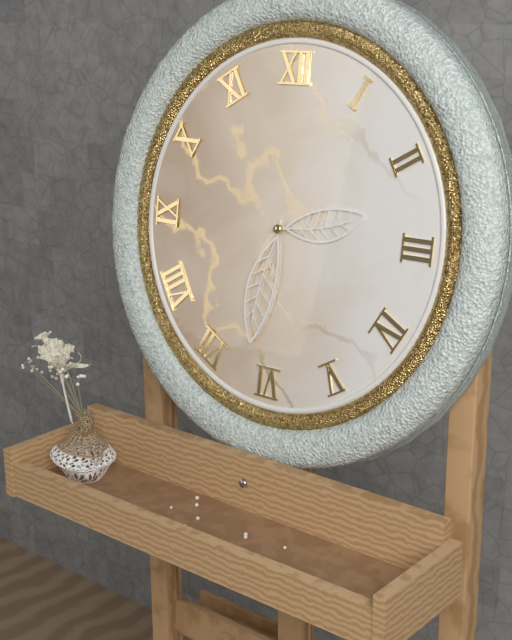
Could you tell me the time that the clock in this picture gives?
2:32
